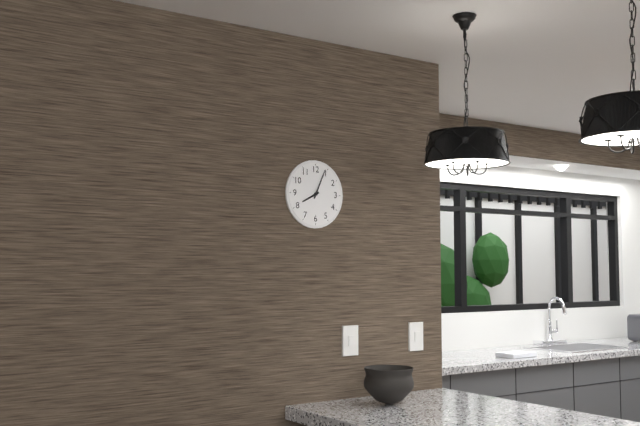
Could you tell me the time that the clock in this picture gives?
8:04
